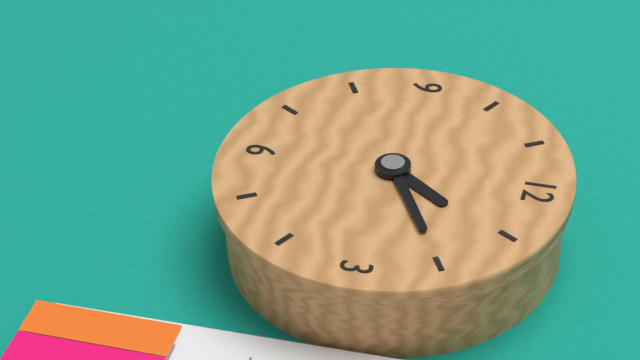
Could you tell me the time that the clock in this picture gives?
1:10
